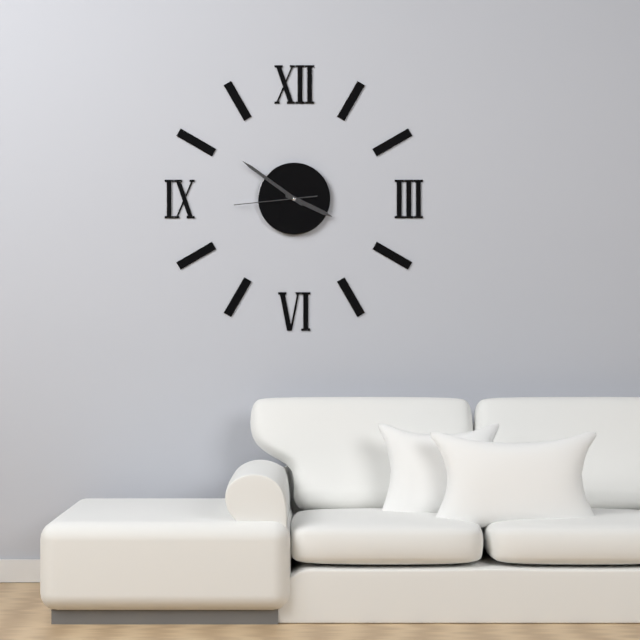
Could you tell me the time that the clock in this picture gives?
3:51:44
